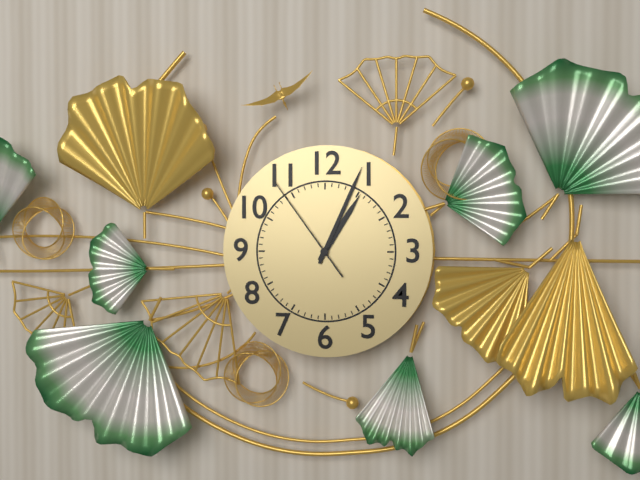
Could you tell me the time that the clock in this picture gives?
1:04:54
